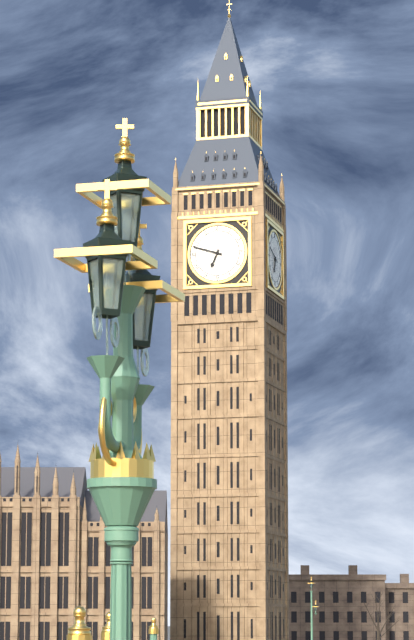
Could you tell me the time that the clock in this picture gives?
6:48
